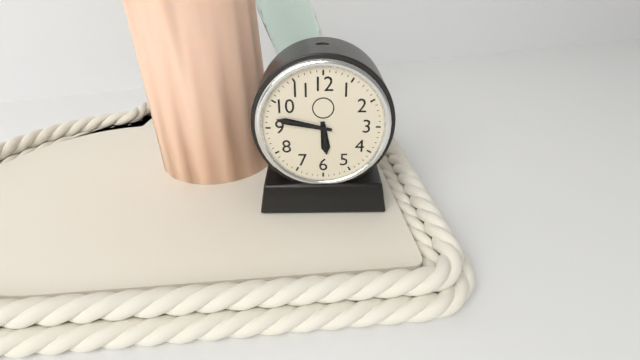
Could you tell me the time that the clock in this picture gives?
5:47
